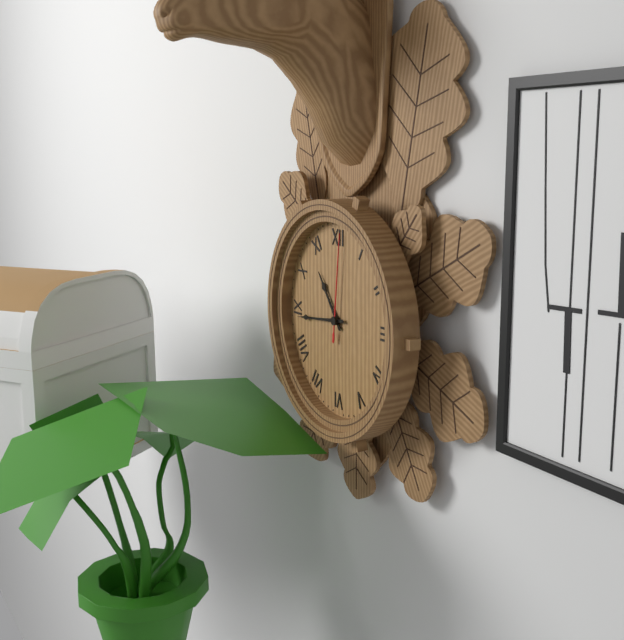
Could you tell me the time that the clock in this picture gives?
10:44:01
